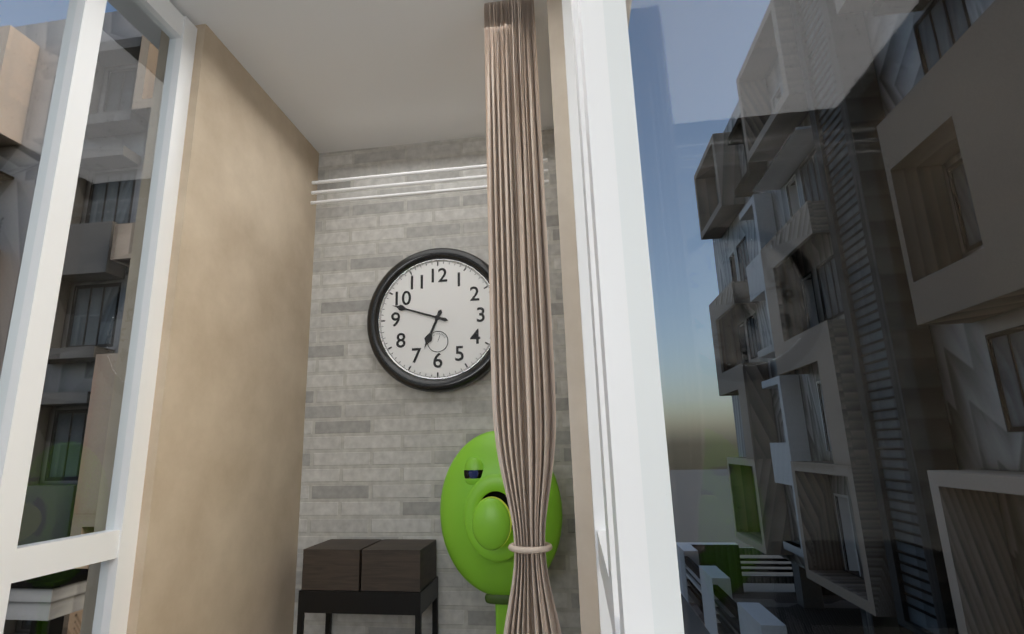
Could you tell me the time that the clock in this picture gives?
6:48
